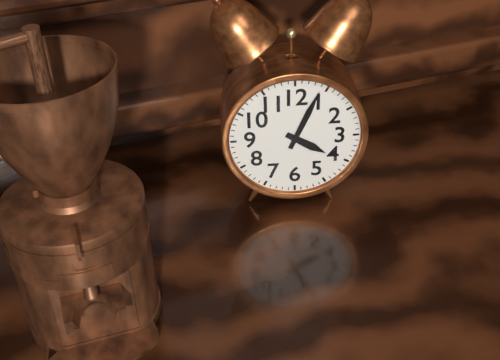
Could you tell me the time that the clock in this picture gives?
4:04
